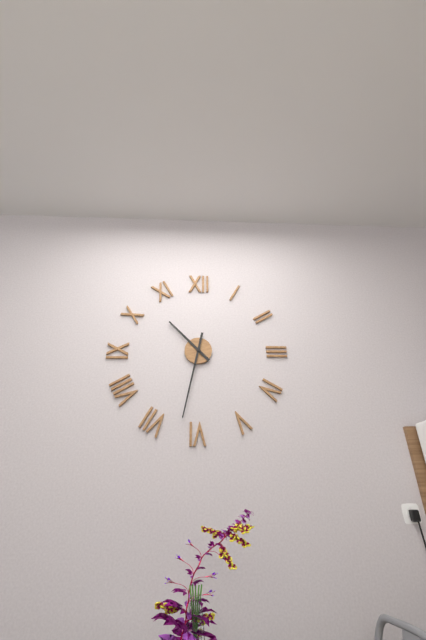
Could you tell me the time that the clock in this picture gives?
10:32
